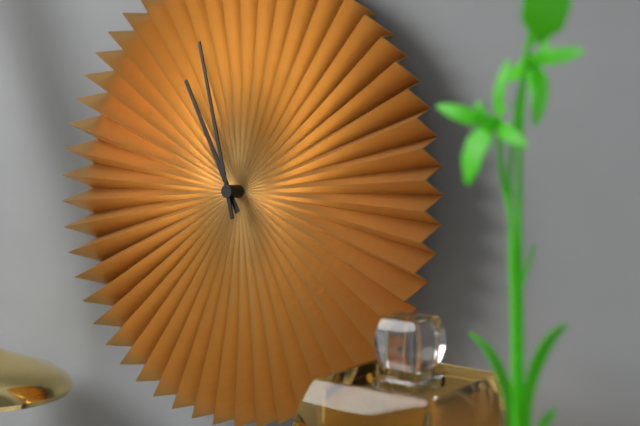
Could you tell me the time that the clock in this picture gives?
10:57
